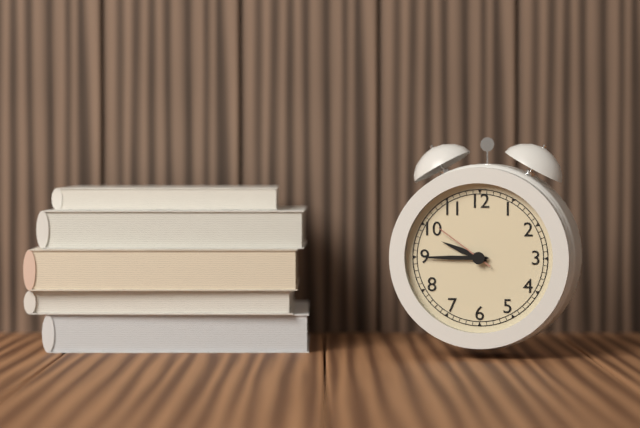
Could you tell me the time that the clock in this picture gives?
9:45:51
